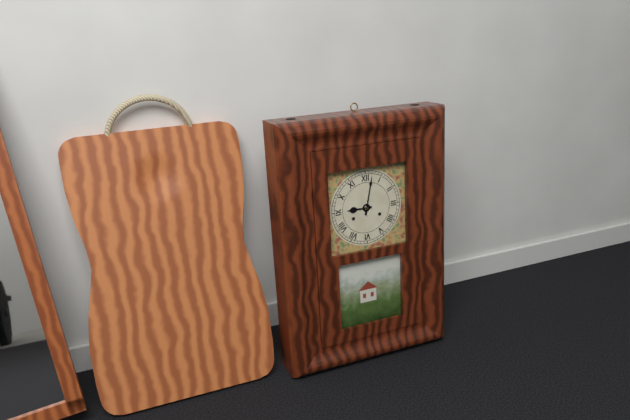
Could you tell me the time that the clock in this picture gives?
9:02
